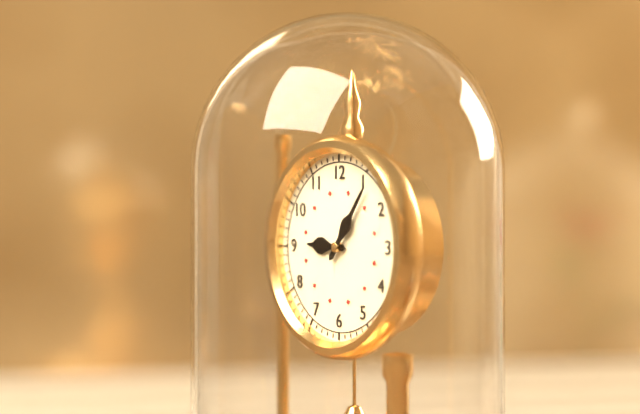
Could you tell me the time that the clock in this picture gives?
9:06
